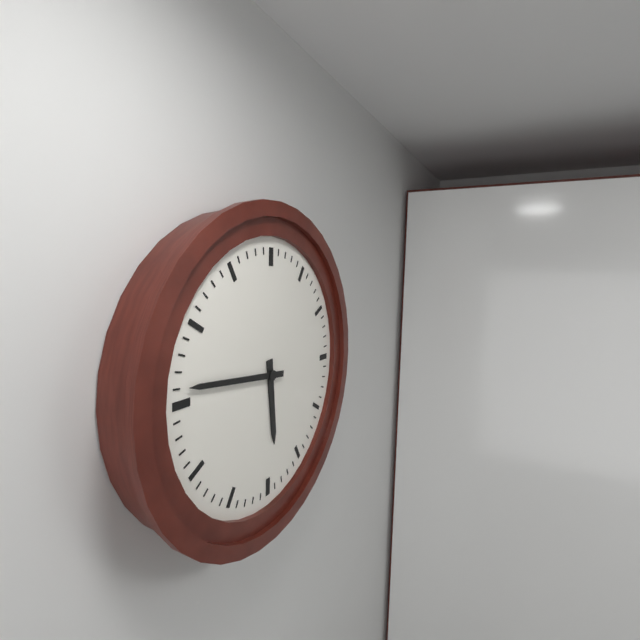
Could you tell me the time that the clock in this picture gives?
5:46
